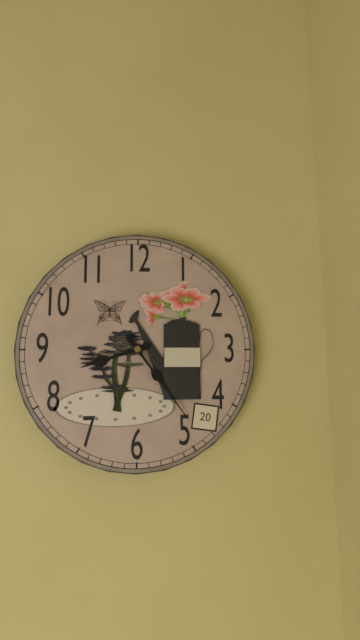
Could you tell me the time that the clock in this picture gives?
8:24
